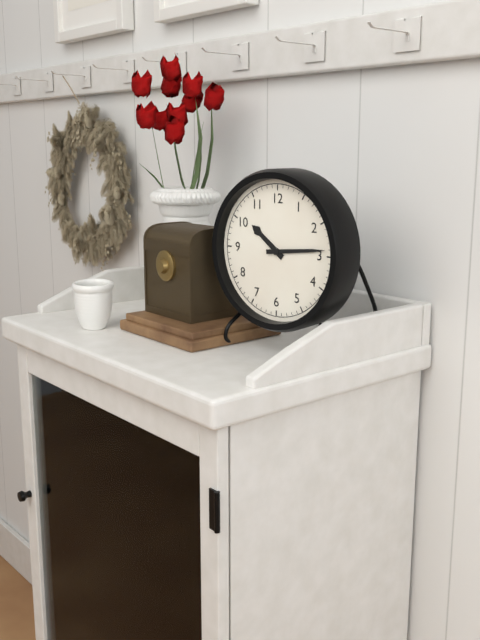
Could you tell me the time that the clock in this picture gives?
10:14
